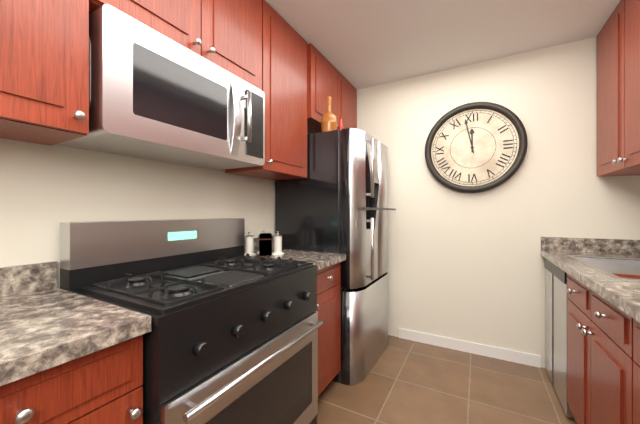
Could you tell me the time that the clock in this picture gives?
11:58
